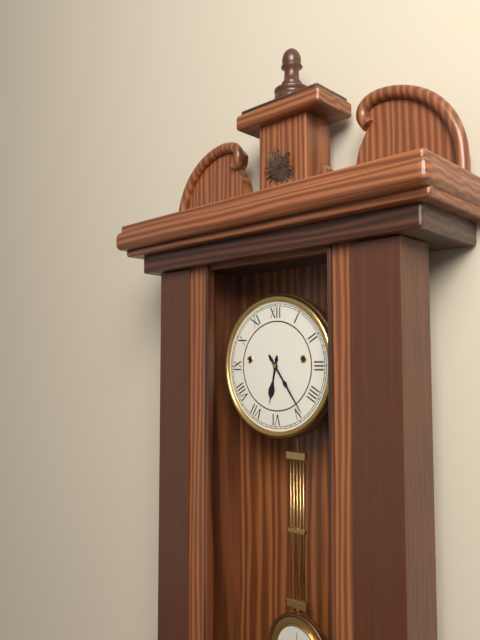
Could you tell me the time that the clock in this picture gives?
6:24
